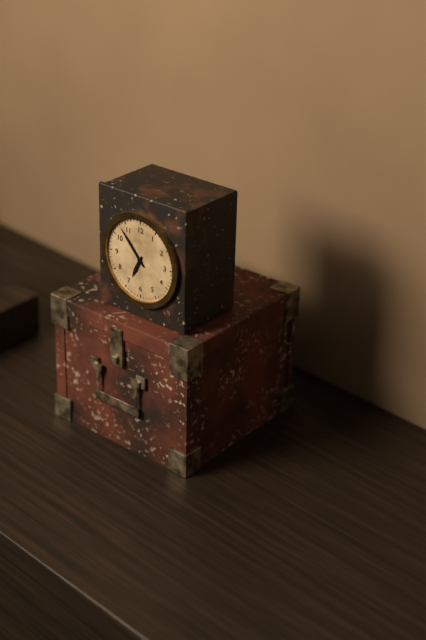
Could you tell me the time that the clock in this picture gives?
6:53
